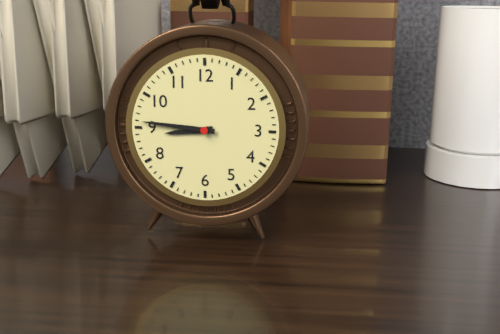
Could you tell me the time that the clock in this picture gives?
8:46
